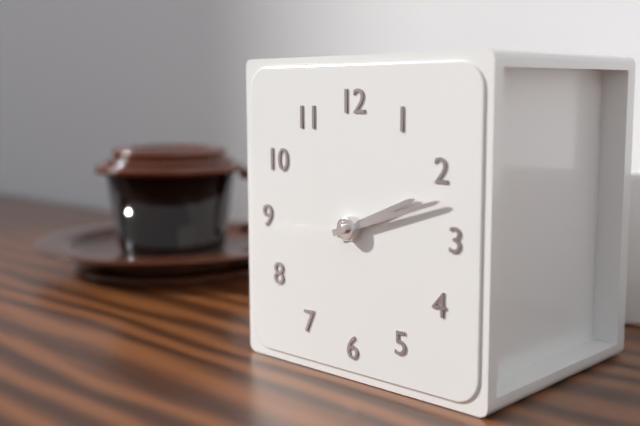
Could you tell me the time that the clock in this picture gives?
2:12
